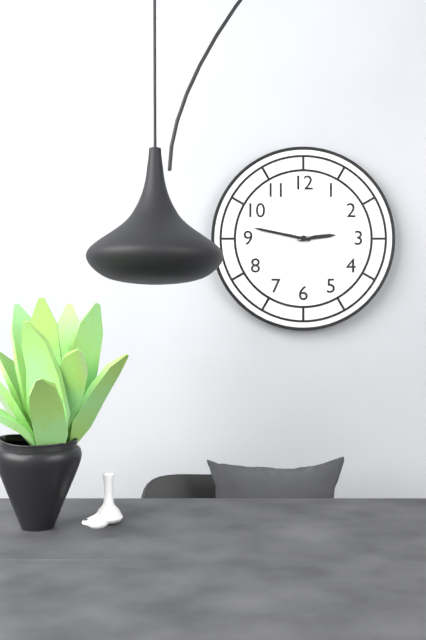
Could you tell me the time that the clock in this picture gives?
2:47:12
